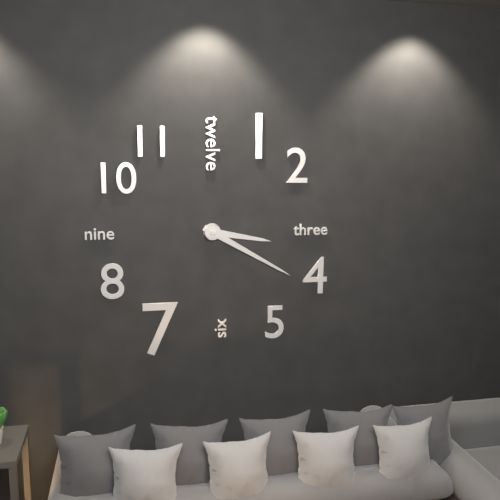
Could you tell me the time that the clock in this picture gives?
3:20
